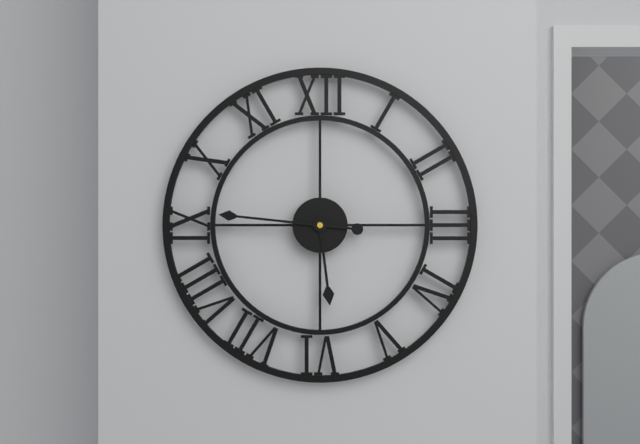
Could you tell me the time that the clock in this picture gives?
5:46
